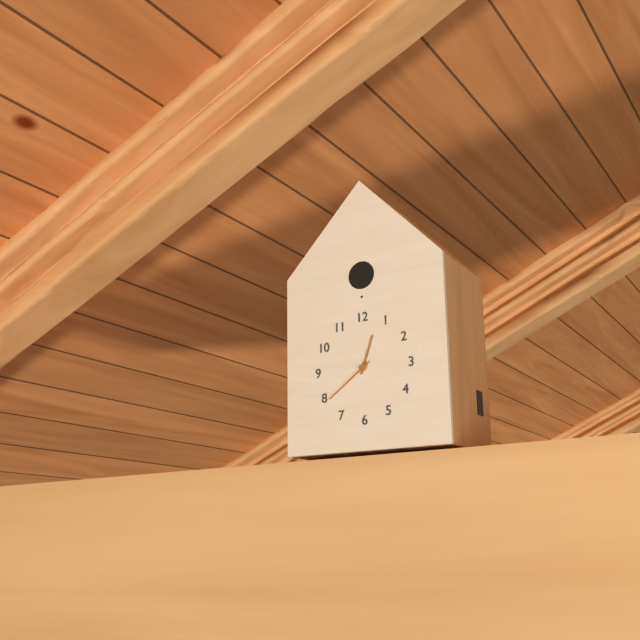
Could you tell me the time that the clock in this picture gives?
12:39
